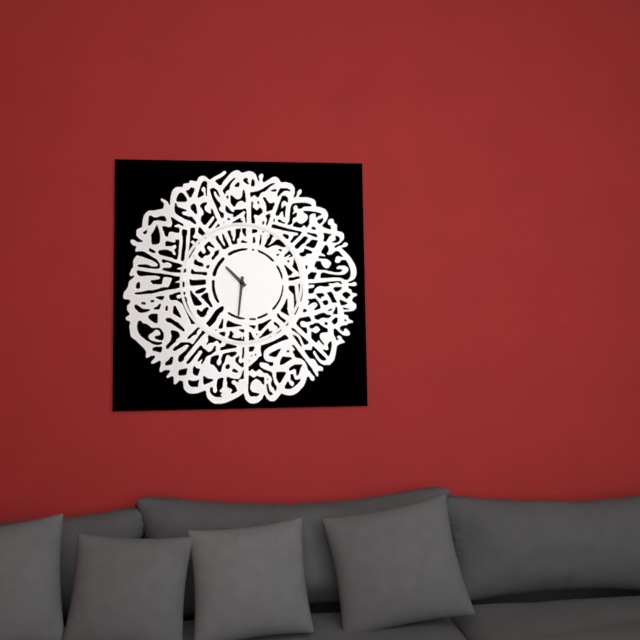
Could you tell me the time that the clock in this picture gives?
10:31
